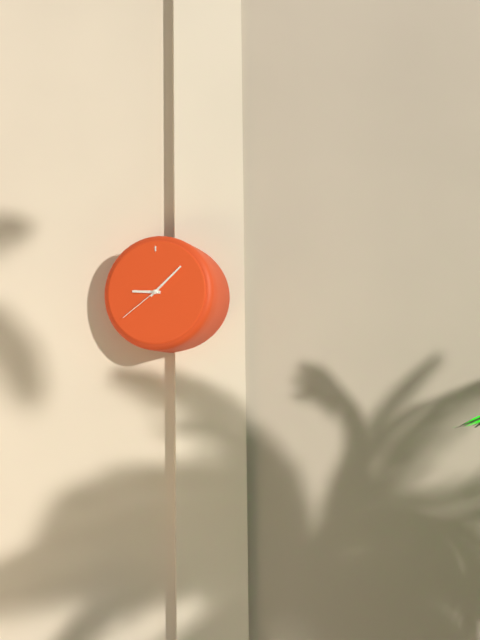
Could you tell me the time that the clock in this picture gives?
9:08:39
